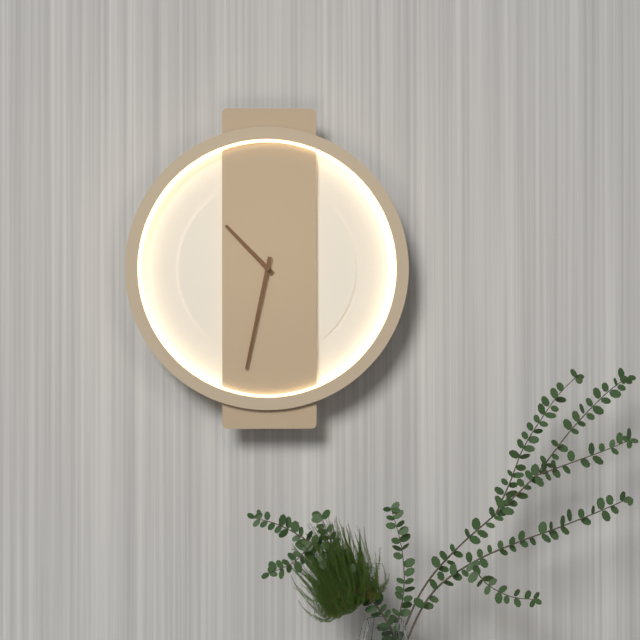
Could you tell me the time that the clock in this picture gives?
10:32
